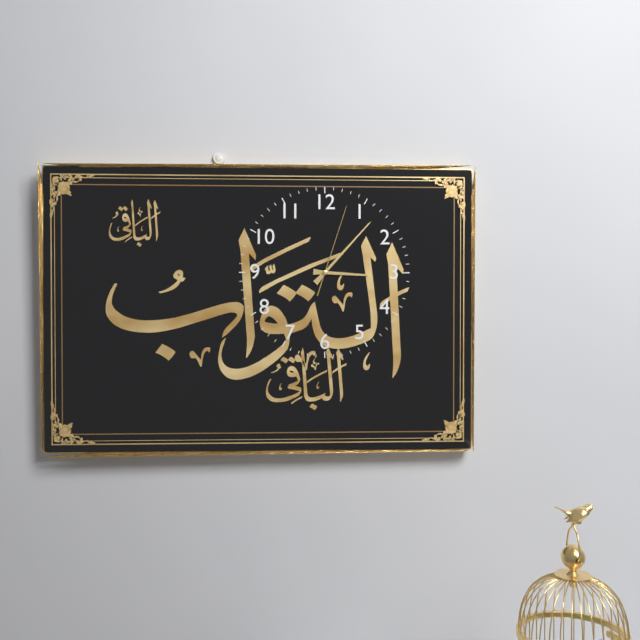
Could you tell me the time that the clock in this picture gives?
3:07:03
